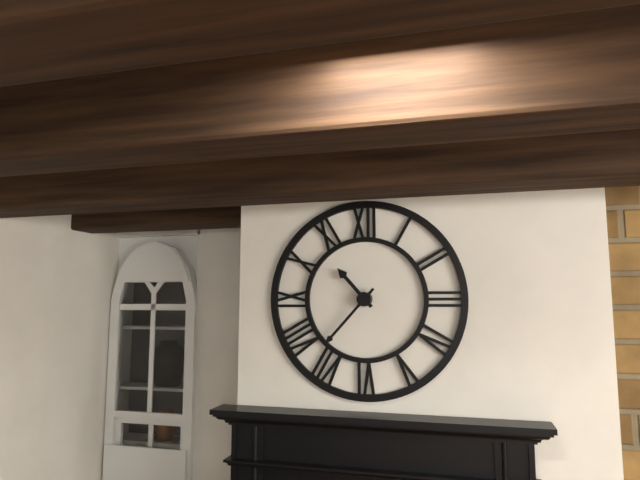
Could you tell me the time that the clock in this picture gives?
10:37
